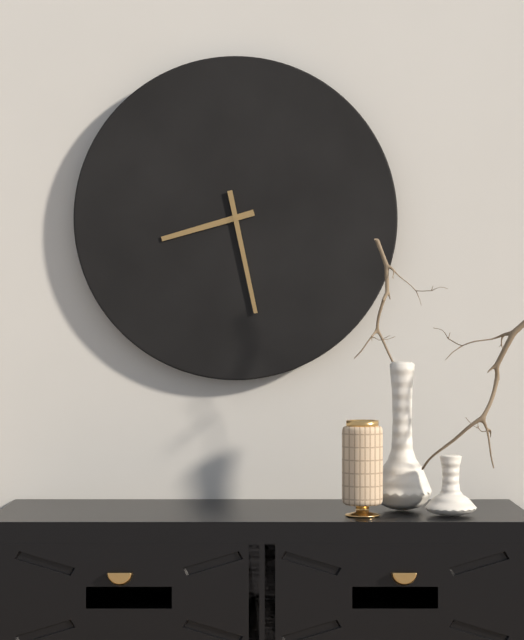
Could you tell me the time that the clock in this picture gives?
8:28
